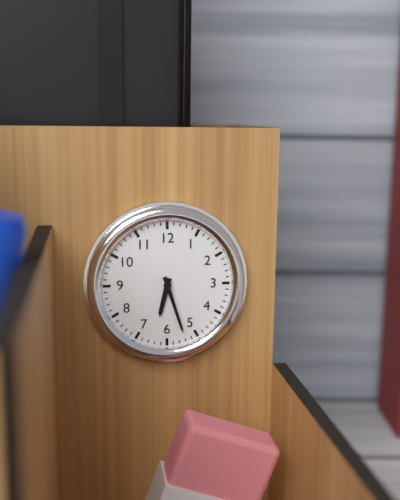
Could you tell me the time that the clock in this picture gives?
6:27
